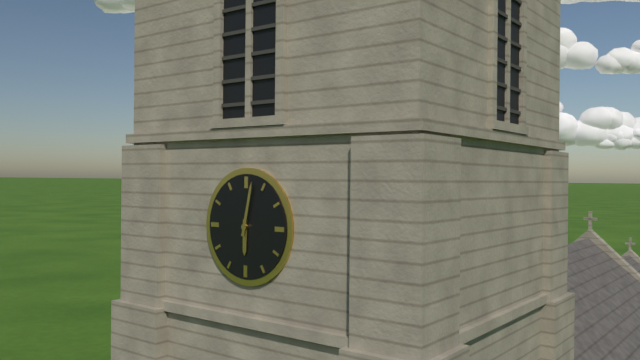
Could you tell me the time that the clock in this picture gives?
6:02
